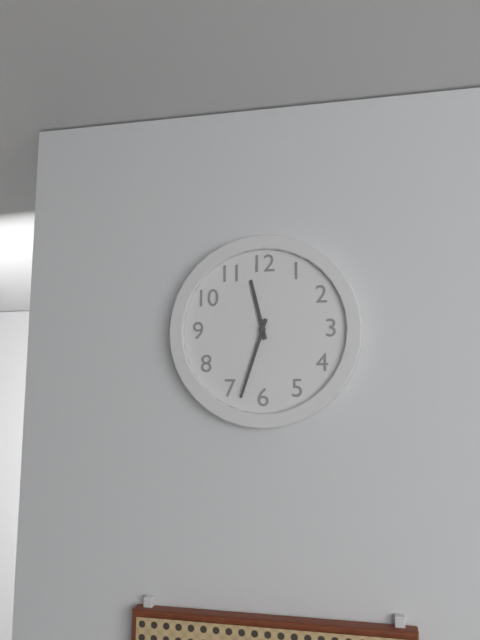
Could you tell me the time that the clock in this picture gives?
11:33
